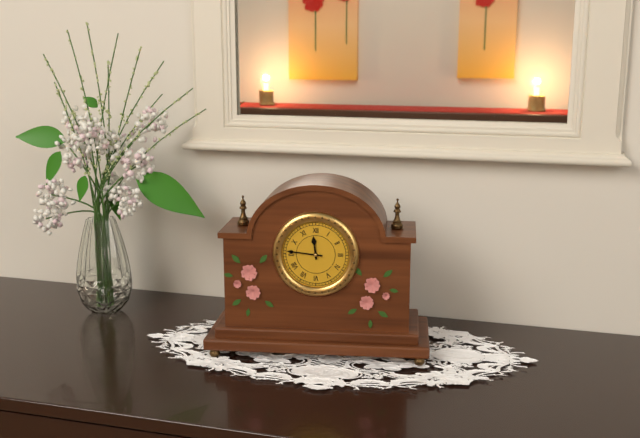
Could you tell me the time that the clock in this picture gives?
11:46
